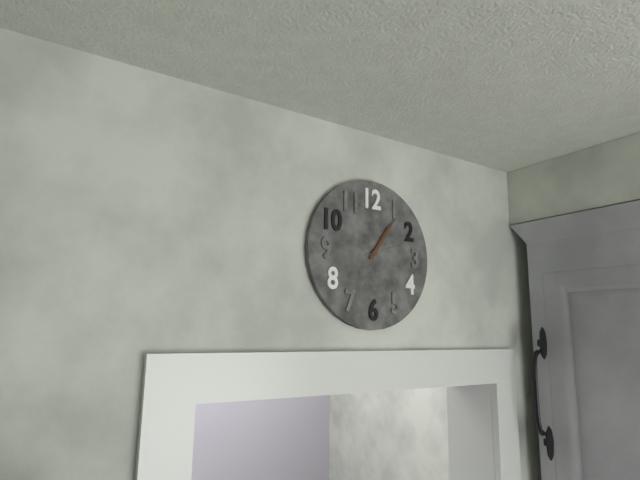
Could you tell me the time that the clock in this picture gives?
1:06:12
